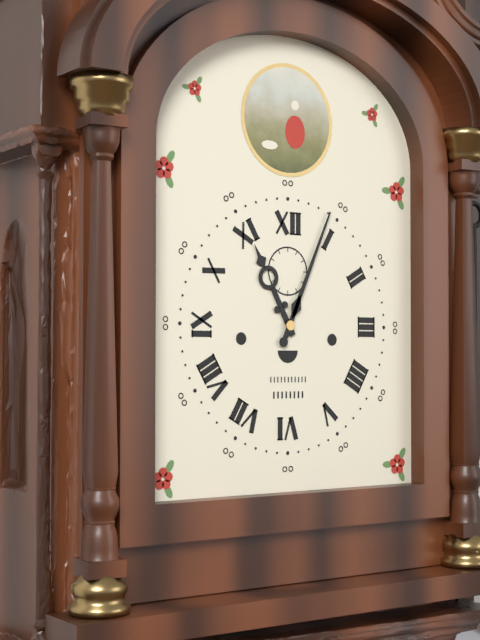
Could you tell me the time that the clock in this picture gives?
11:04
